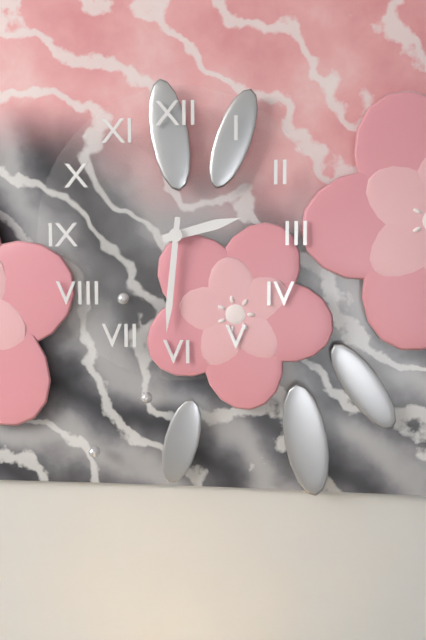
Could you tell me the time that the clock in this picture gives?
2:31
